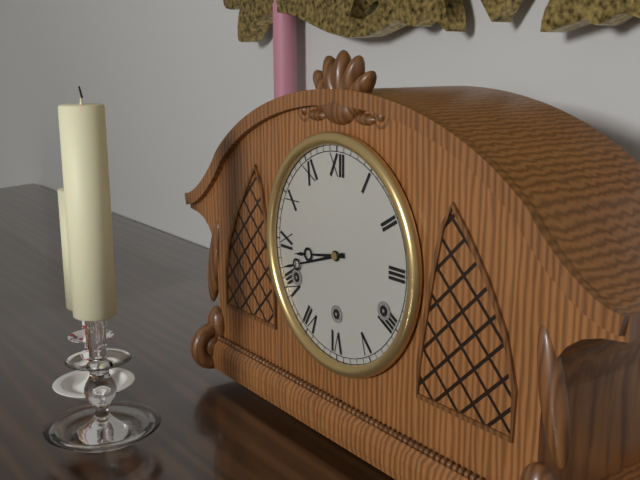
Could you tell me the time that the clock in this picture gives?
8:42
